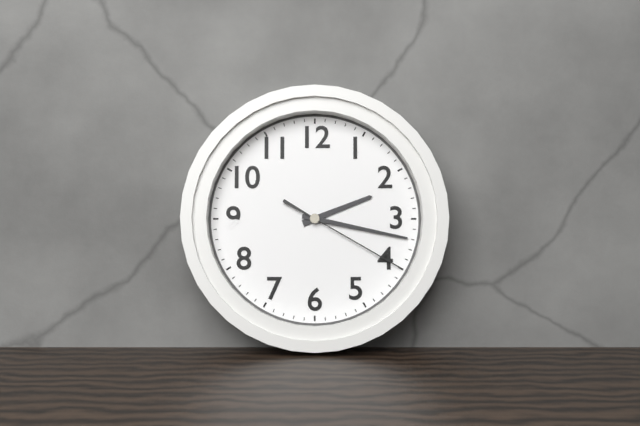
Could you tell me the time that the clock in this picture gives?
2:17:20
